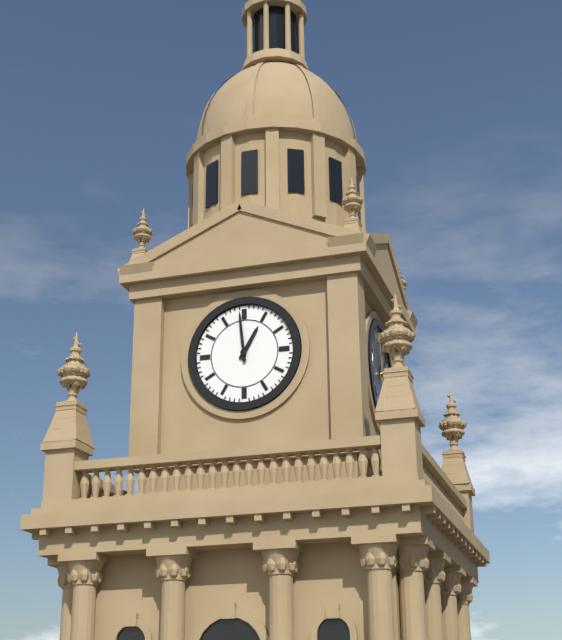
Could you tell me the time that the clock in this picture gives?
12:59
